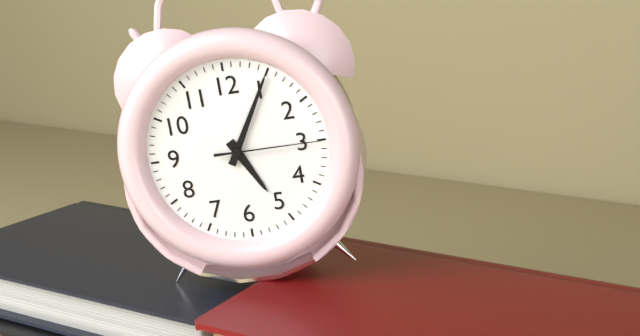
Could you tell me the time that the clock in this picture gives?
5:05:15
